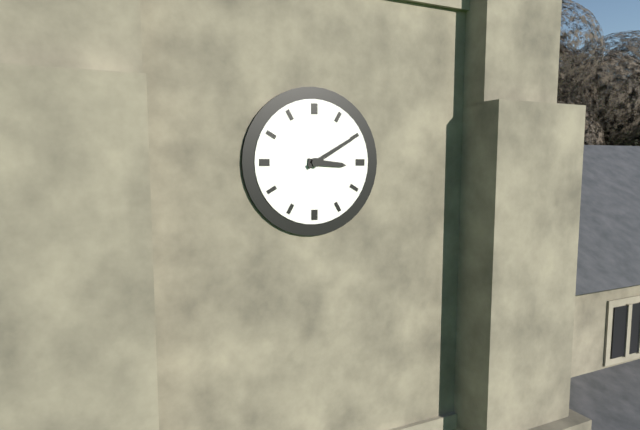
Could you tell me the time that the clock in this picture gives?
3:10
